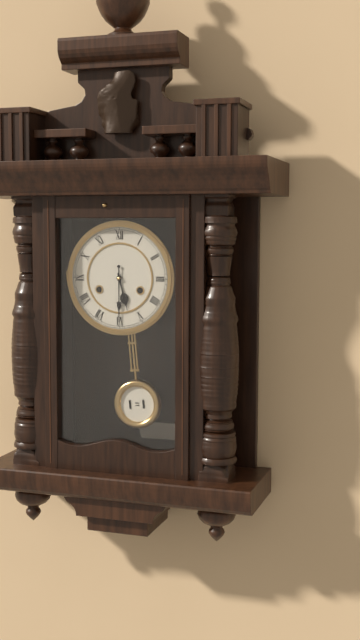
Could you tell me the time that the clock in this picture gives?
5:30
